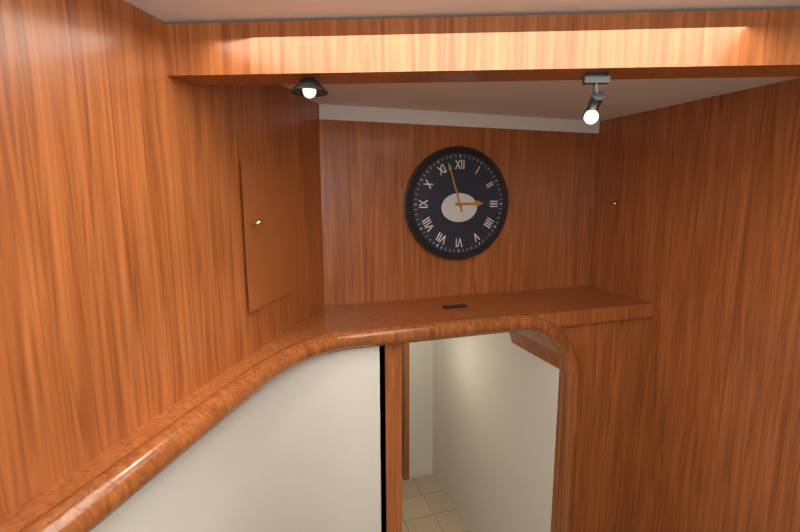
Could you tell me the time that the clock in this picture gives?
2:57
